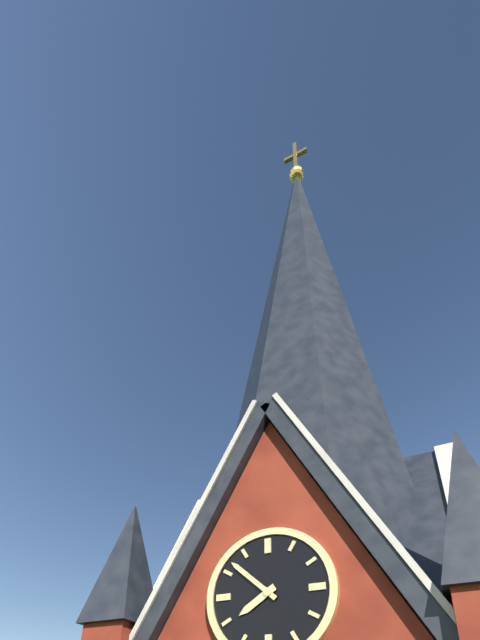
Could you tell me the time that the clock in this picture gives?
7:52
